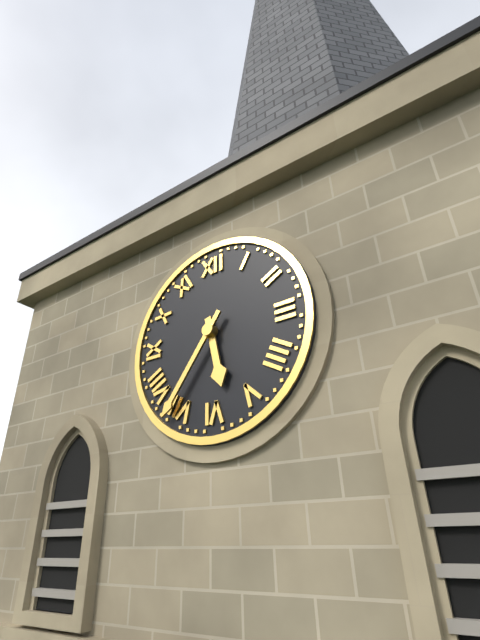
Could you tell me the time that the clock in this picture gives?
5:36
